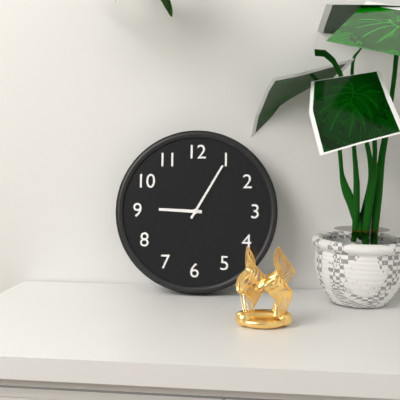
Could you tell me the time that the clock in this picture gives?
9:05
